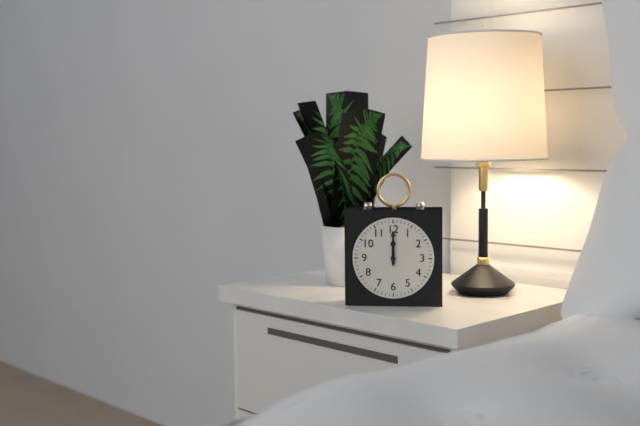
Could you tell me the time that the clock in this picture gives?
12:00
